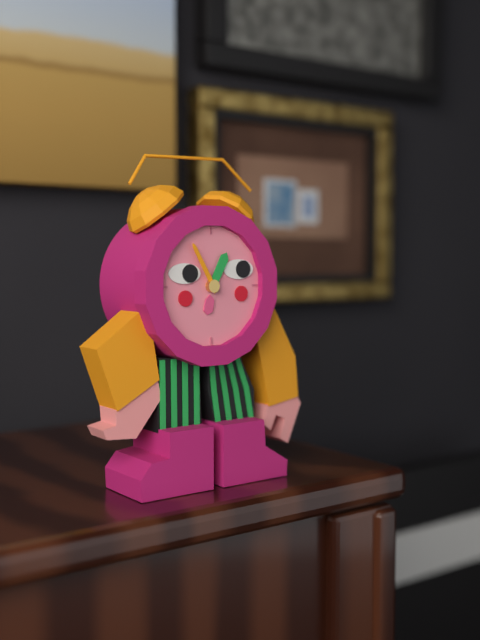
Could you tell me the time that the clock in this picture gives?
12:55
